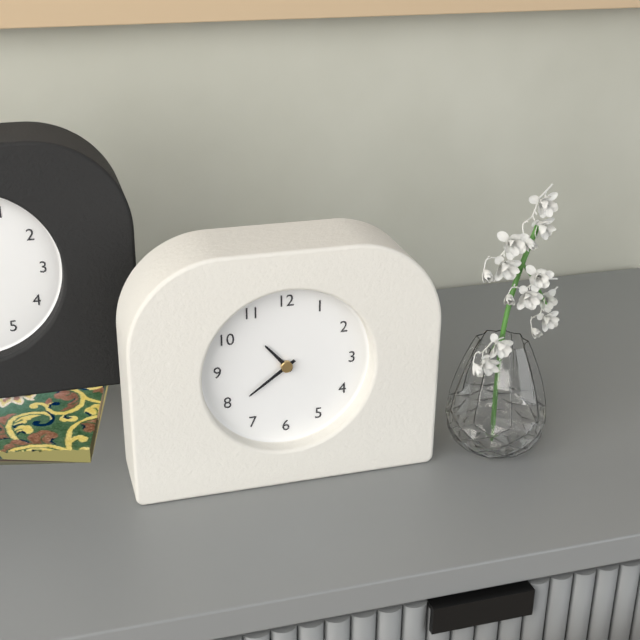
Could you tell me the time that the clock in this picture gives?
10:39
